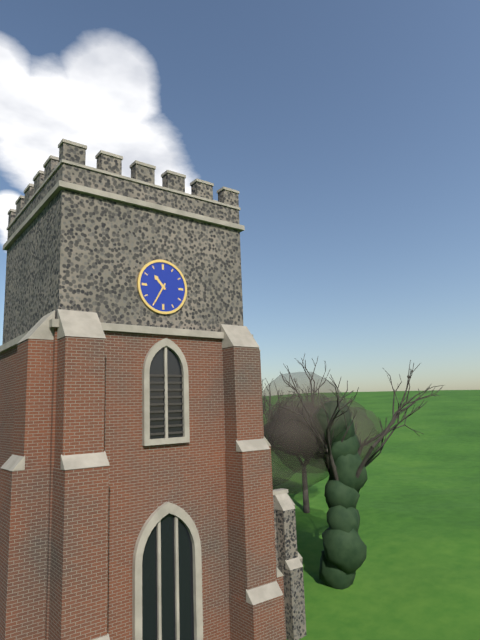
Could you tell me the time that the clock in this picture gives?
10:35
